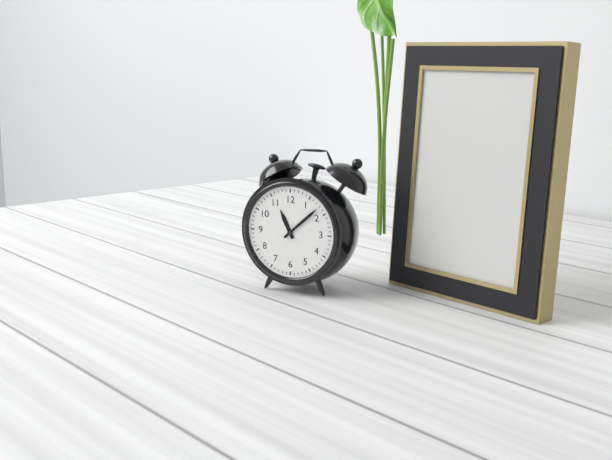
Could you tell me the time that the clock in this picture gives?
11:08
